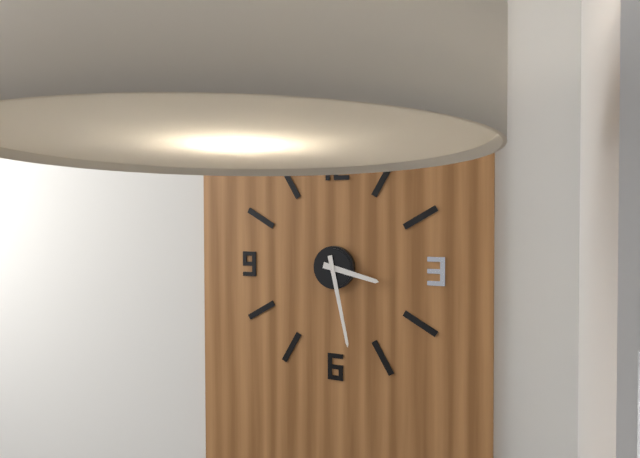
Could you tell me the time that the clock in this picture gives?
3:28
